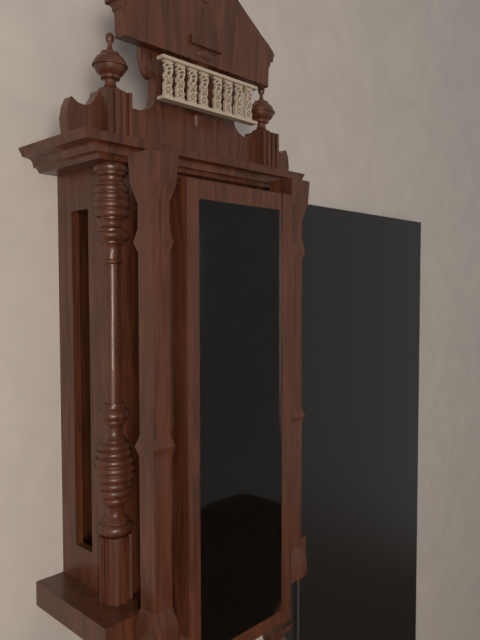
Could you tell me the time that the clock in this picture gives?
7:35
